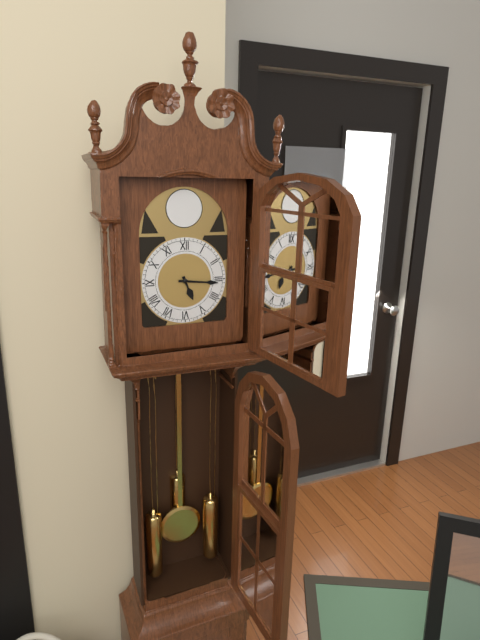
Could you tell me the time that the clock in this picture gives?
5:16
